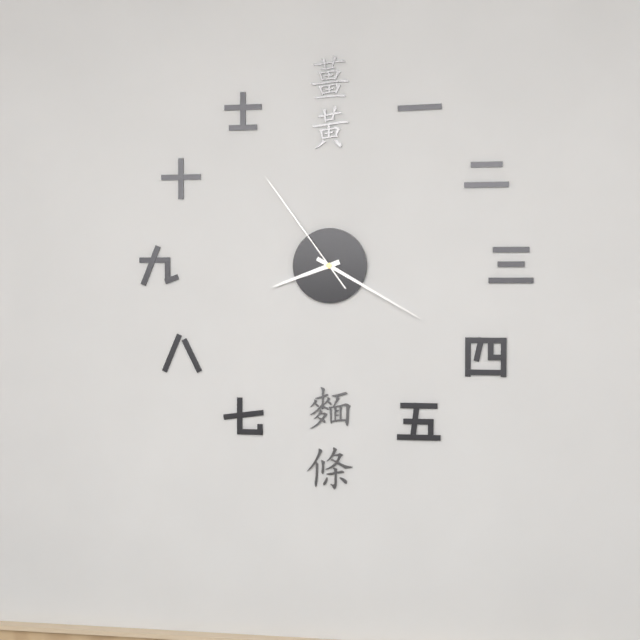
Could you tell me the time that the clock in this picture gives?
8:20:54
